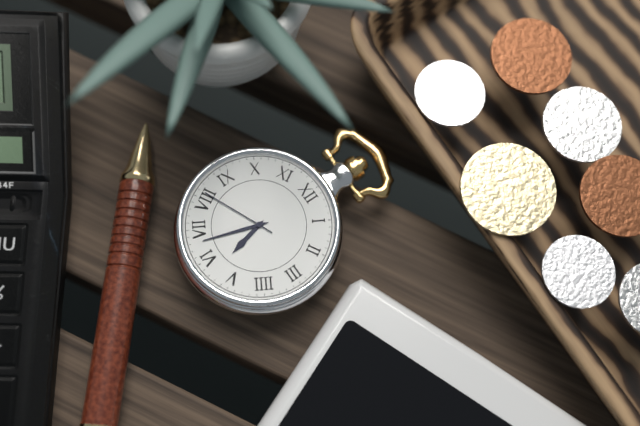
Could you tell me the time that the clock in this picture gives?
5:33:41
